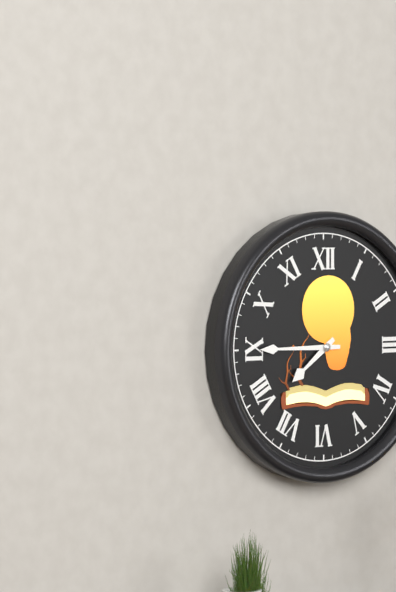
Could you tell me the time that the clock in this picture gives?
7:45
